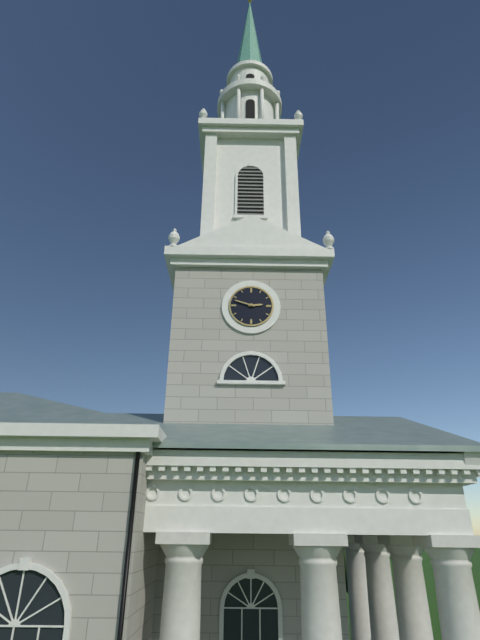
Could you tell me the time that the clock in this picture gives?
2:48
